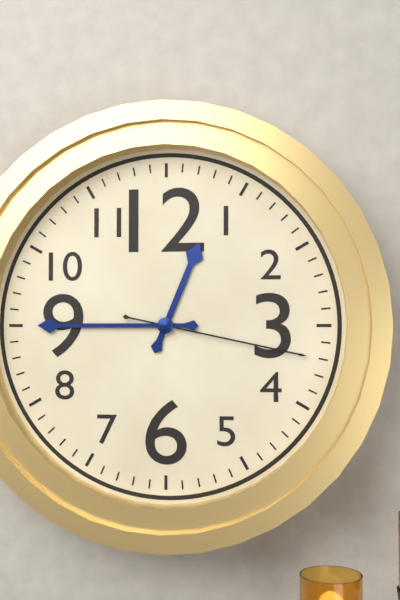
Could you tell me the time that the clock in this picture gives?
12:45:17
